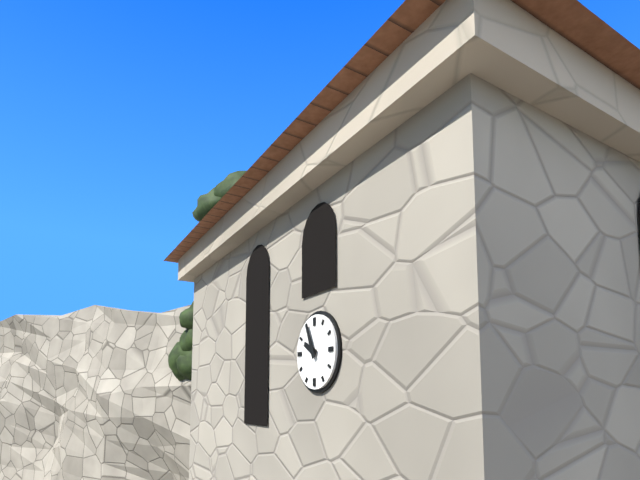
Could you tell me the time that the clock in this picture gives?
9:56
